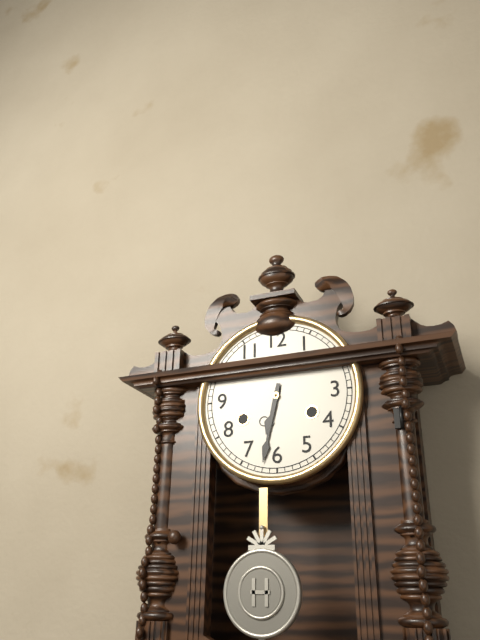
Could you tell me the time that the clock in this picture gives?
6:32
